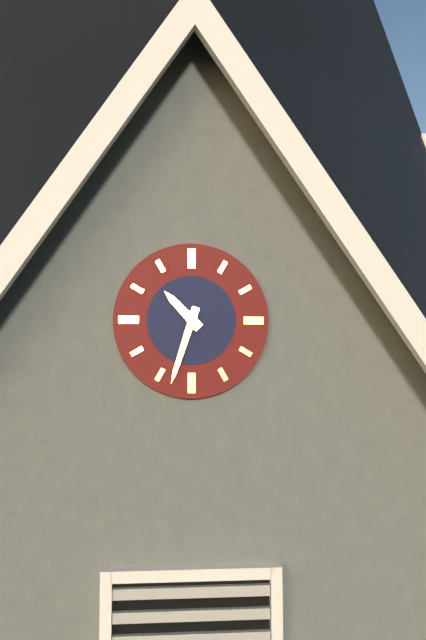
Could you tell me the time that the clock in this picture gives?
10:33
